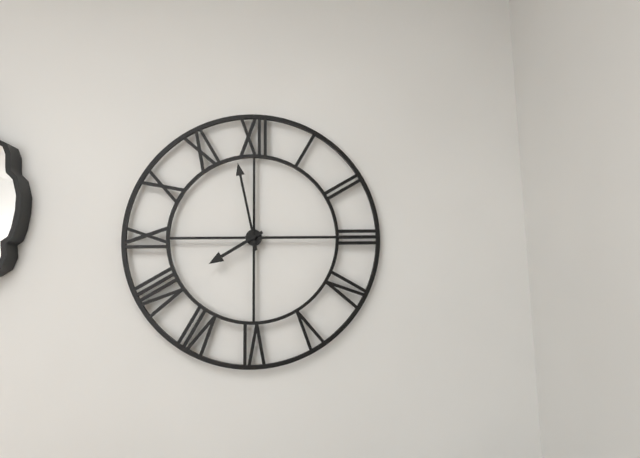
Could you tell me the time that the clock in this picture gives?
7:58
